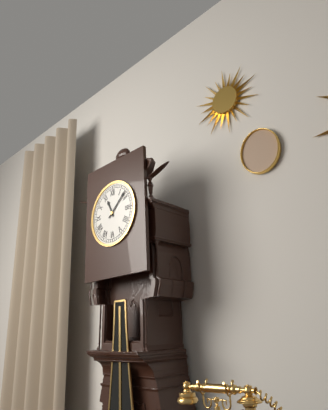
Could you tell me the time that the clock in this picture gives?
11:08
